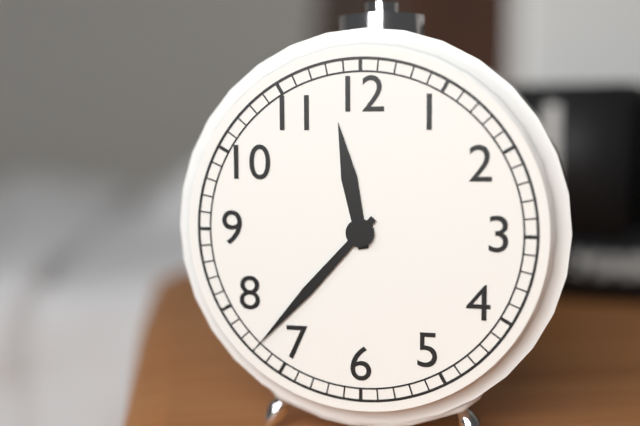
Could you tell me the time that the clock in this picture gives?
11:37
